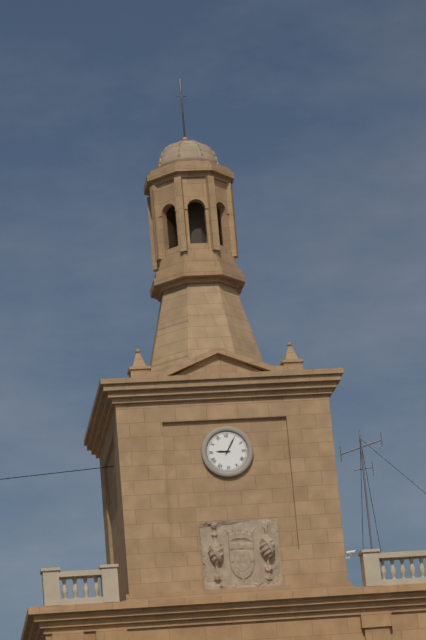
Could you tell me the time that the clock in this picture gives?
9:05
